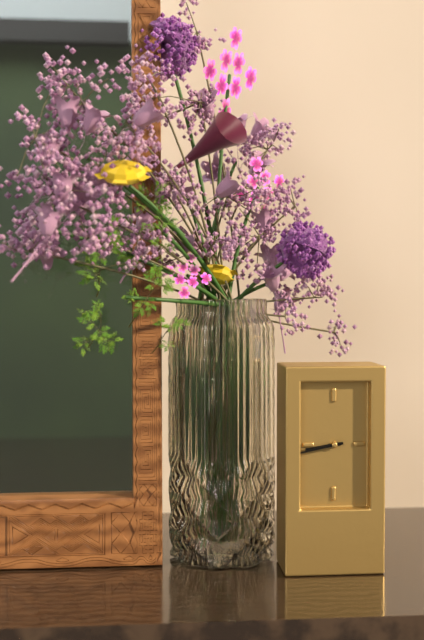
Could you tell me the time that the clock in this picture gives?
8:43
